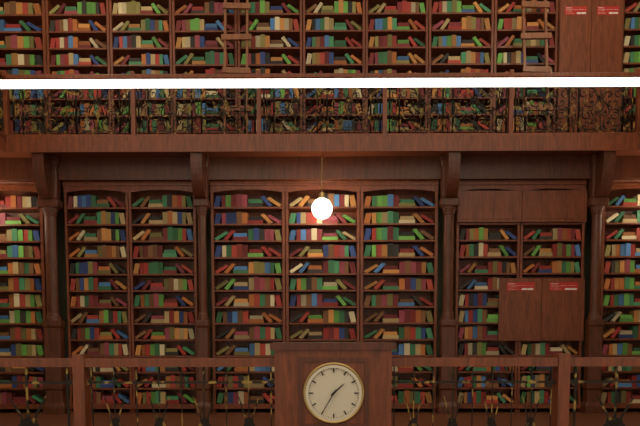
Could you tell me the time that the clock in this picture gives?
1:35
